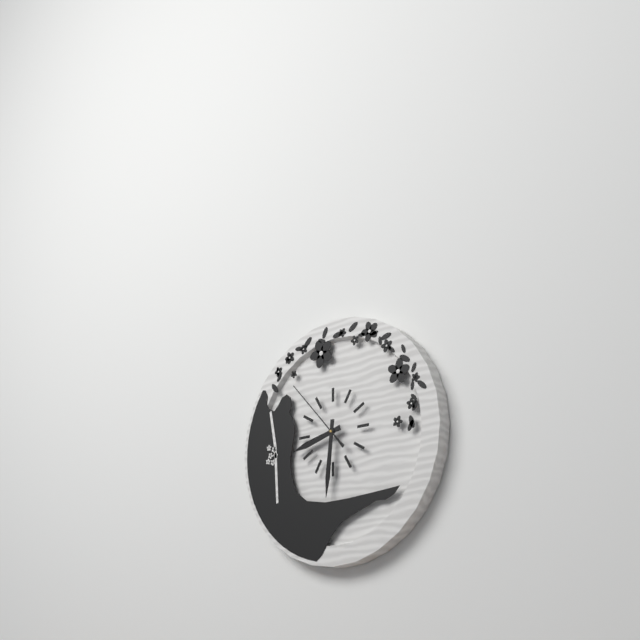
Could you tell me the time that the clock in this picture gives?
8:31:53
